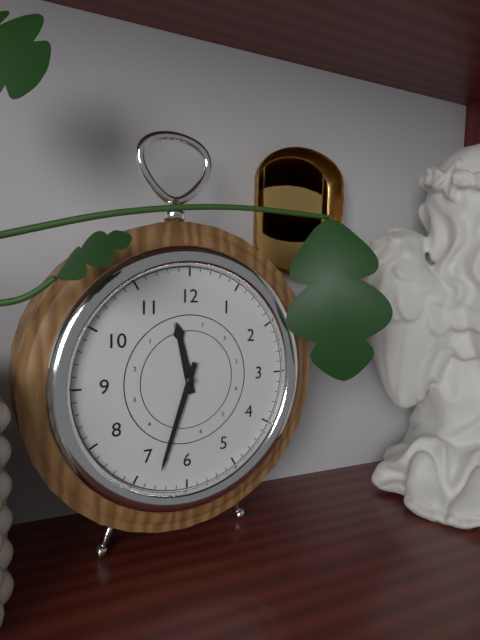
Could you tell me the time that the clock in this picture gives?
11:33
